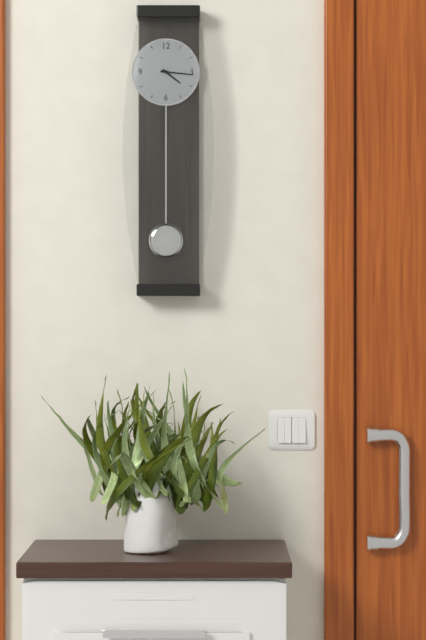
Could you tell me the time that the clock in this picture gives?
4:16
